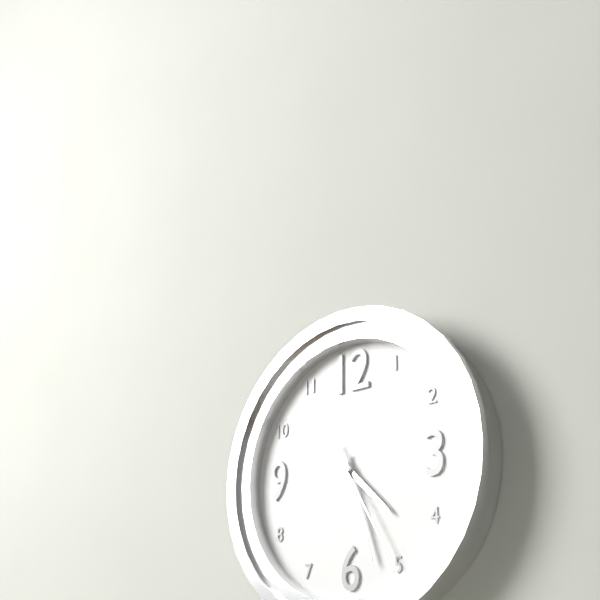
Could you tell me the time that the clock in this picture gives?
4:27:25
